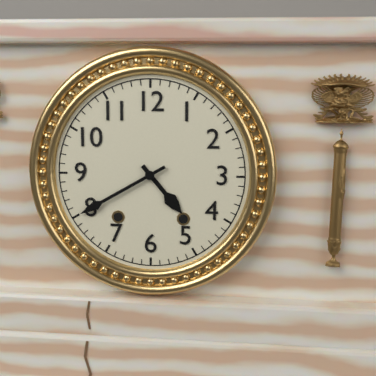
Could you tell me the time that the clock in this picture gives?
4:40
